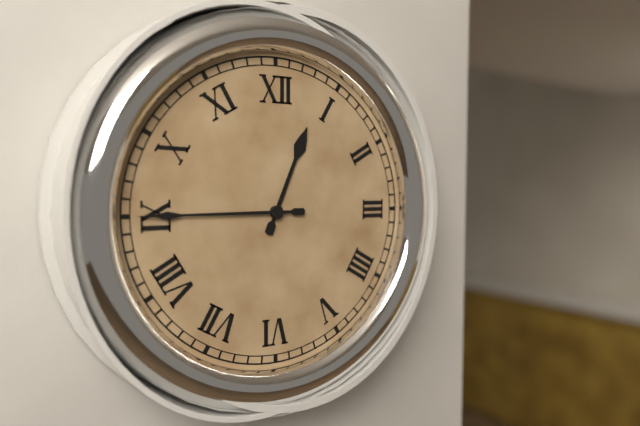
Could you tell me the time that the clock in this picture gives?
12:45
